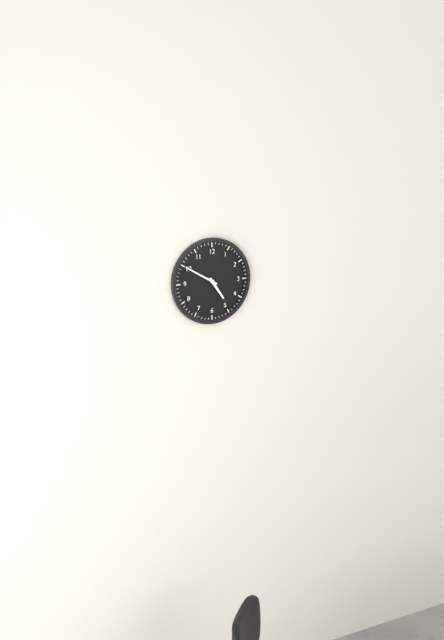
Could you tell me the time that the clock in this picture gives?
4:50
